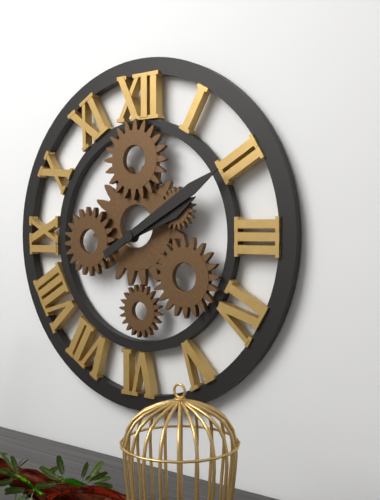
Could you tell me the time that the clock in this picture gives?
2:10
